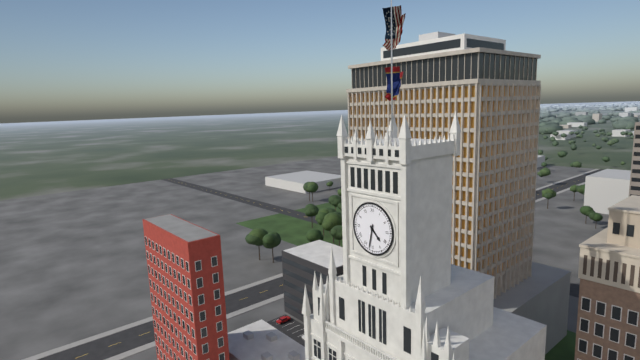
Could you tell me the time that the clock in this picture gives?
4:32
